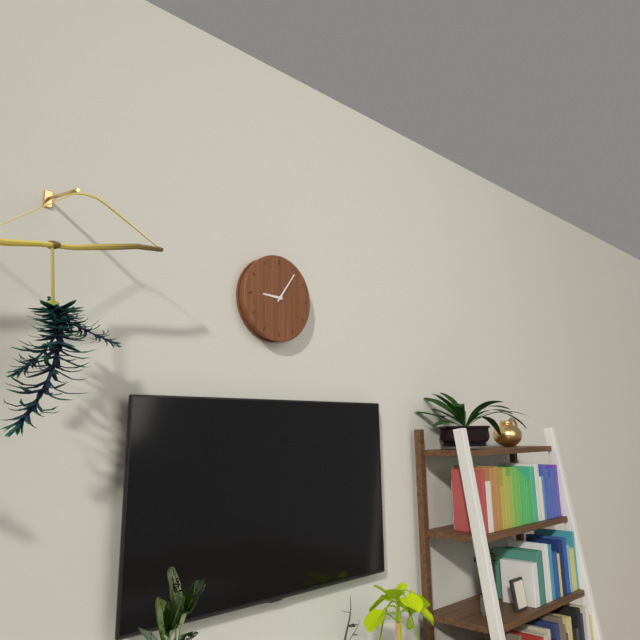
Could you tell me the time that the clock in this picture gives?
9:06
